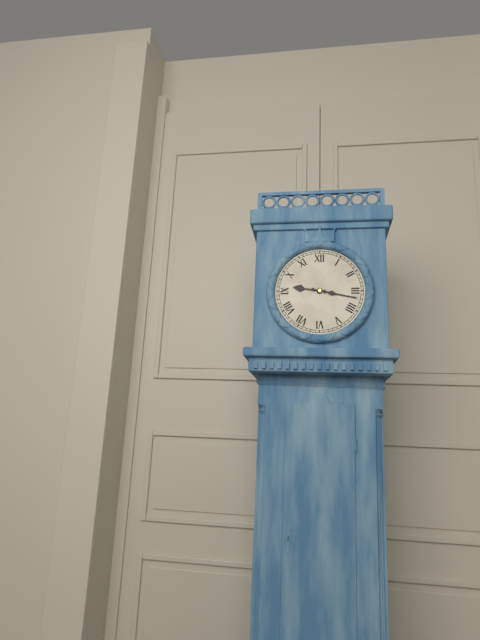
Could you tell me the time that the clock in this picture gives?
9:17
